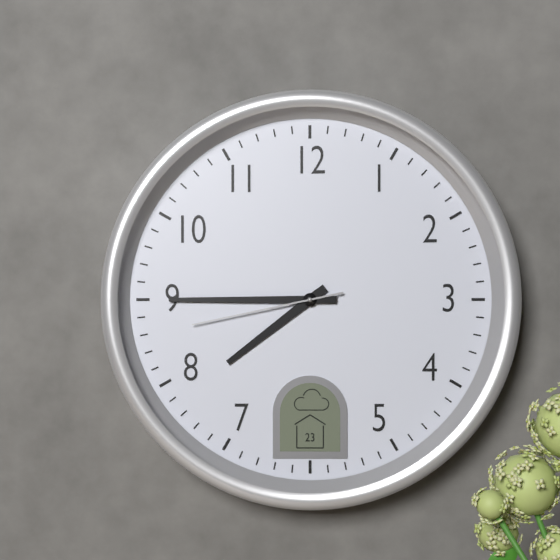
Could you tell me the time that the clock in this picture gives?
7:45:43
